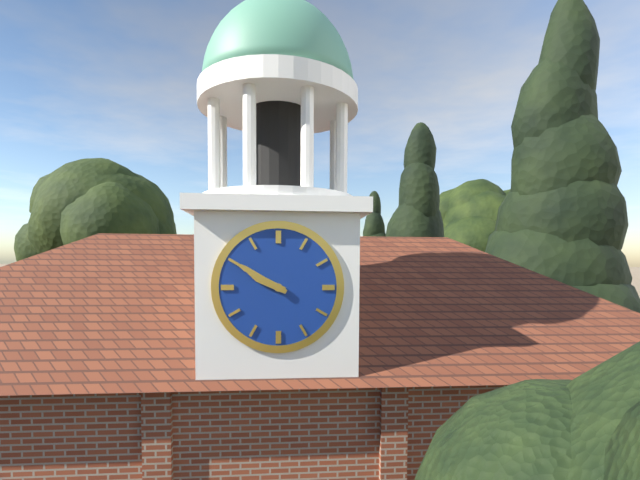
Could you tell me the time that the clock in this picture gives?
9:50
